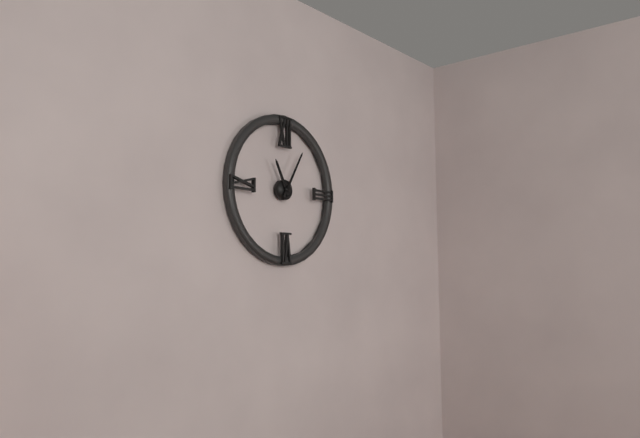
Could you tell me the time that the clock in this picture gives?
11:05
